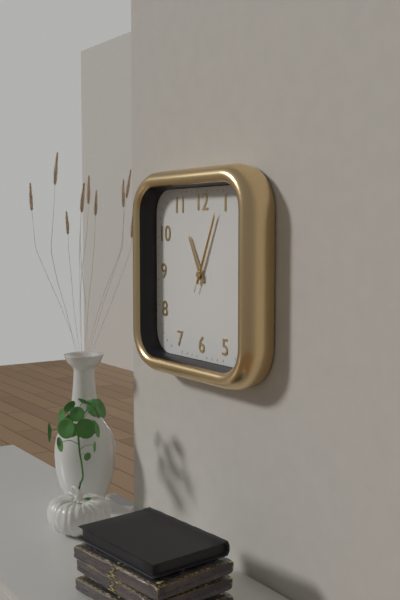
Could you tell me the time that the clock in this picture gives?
11:04:04
